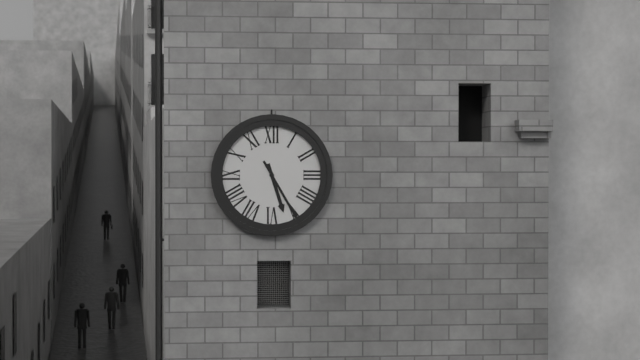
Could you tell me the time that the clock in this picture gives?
5:25
